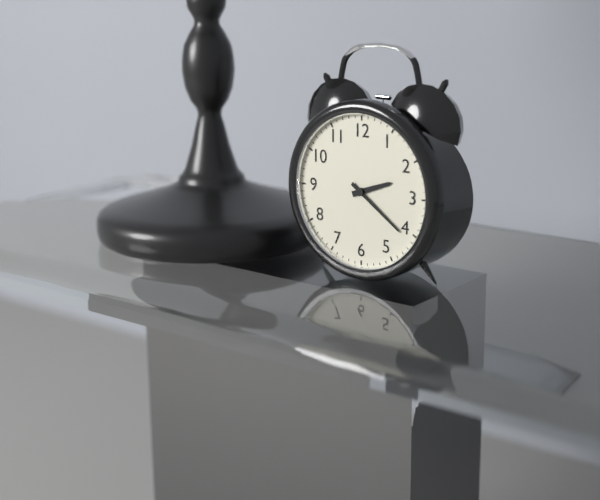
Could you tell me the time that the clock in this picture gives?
2:21
